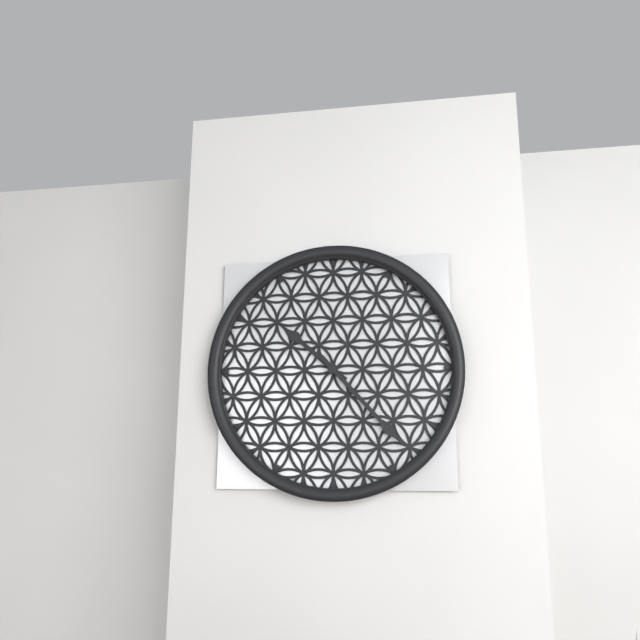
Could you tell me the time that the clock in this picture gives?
10:23
